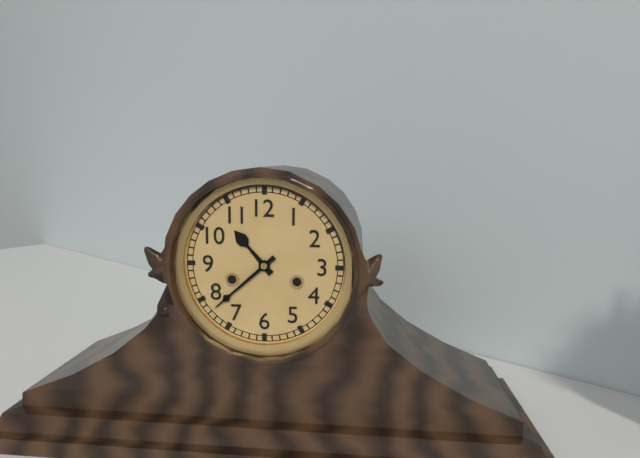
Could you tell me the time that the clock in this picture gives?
10:38
